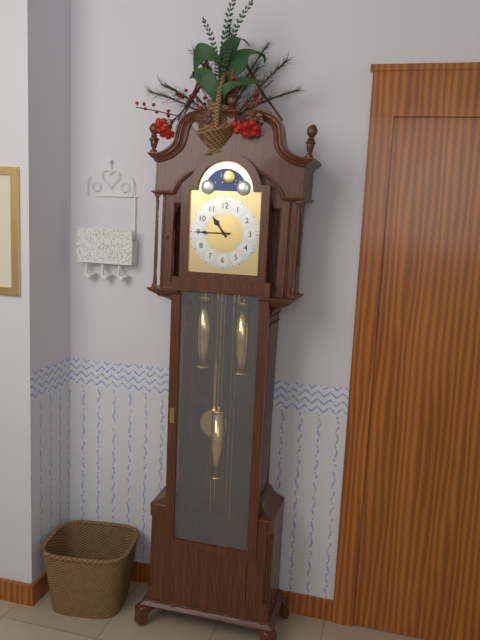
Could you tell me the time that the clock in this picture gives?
10:45
